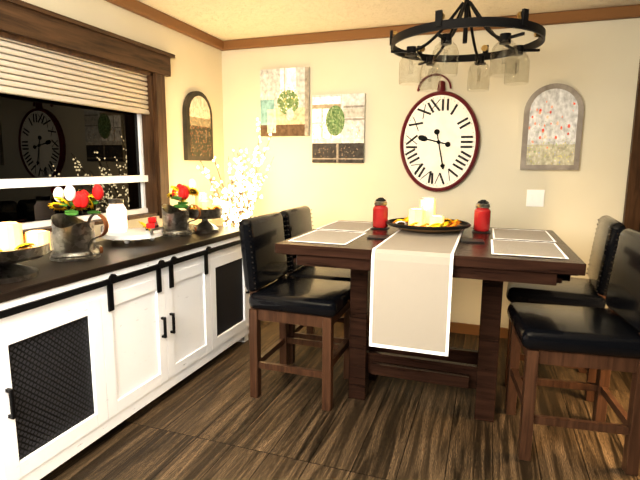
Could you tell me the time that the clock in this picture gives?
9:28
